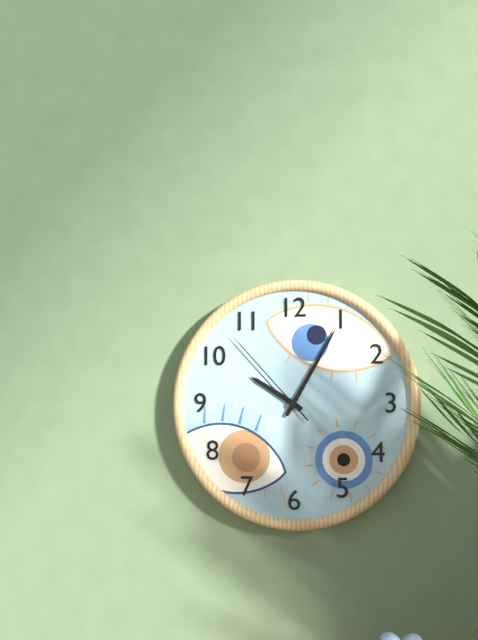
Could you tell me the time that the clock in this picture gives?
10:05:53
